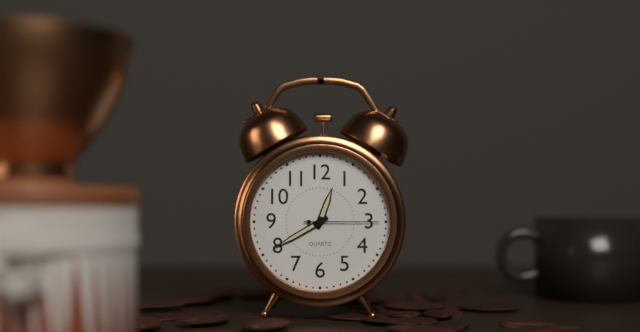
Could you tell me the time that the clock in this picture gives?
12:40:15
